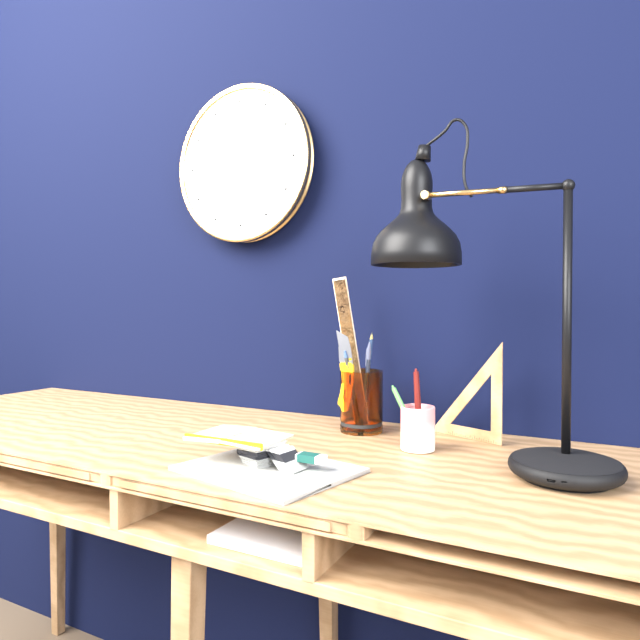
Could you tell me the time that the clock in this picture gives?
10:45
